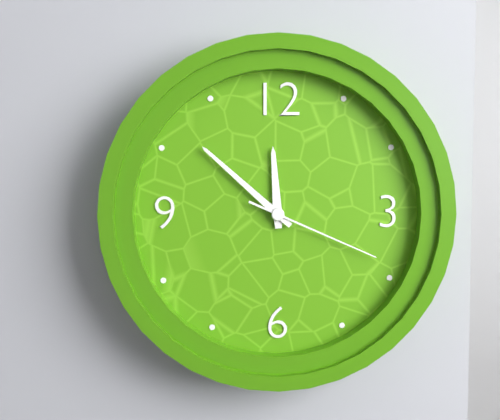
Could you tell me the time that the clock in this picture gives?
11:52:19
